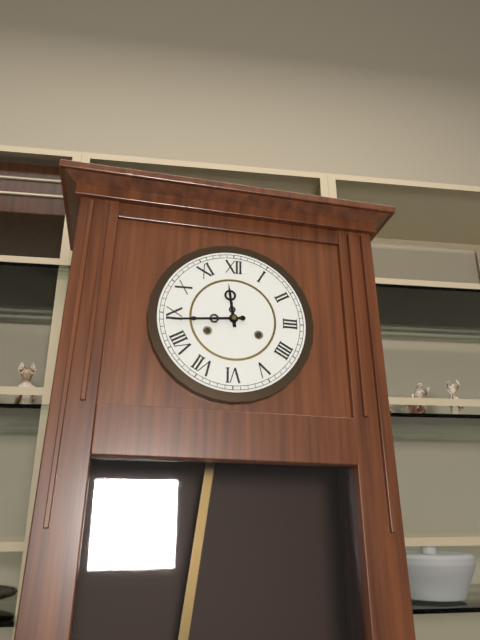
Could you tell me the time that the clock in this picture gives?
11:44
